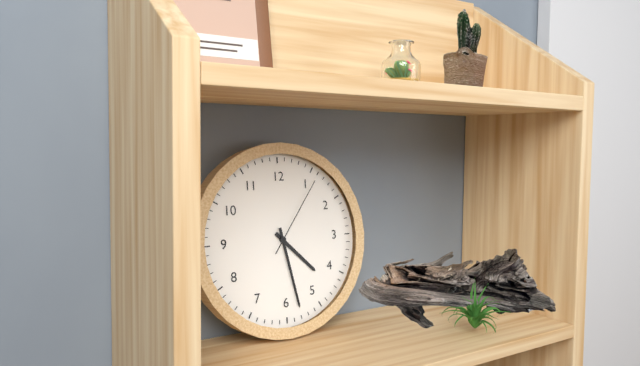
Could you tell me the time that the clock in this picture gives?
4:28:06
